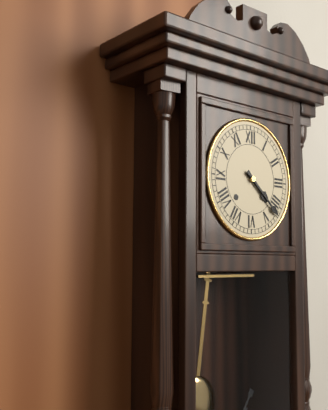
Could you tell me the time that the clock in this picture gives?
4:22
